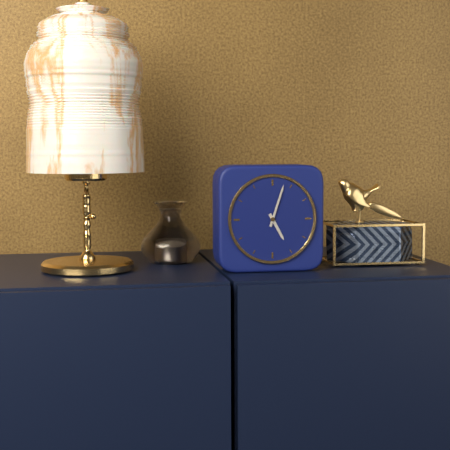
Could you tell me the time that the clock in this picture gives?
5:03
